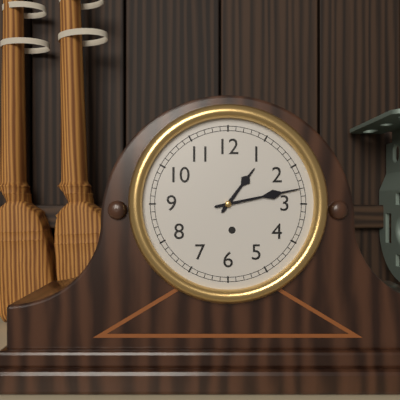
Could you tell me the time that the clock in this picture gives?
1:13
